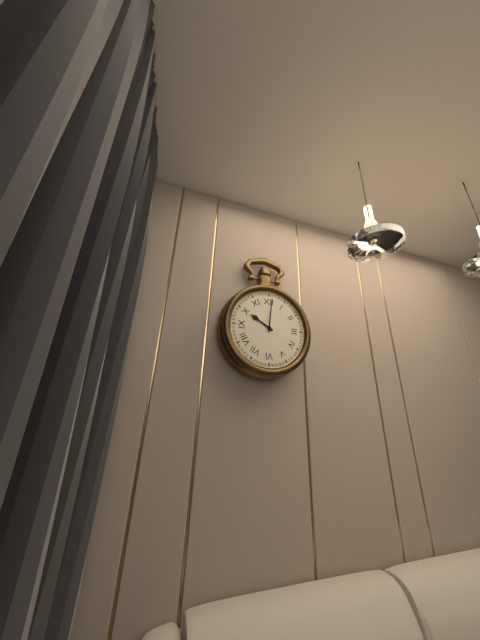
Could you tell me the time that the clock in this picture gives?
10:01
